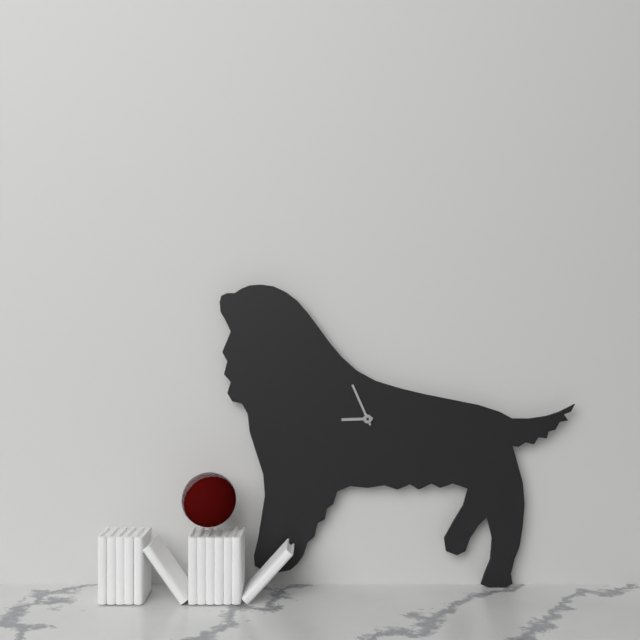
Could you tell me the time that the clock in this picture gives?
8:56
